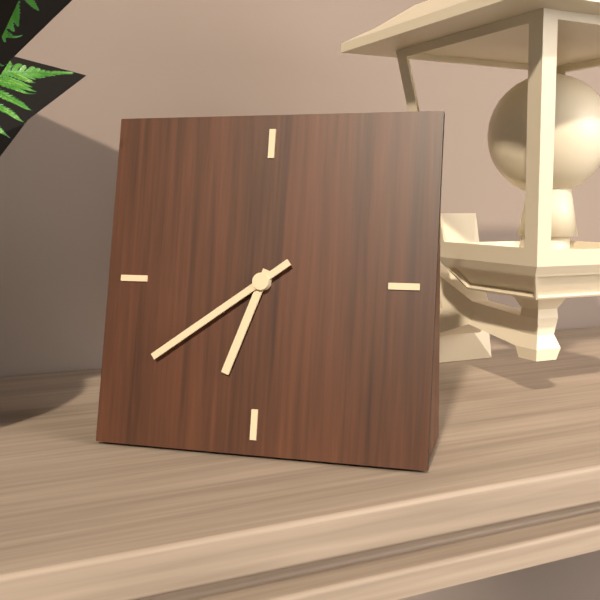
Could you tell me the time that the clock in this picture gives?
6:39
